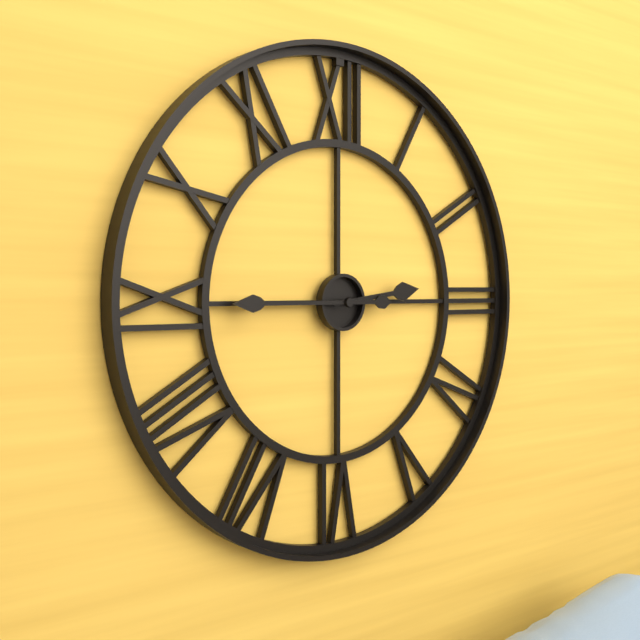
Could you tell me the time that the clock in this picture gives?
2:45
